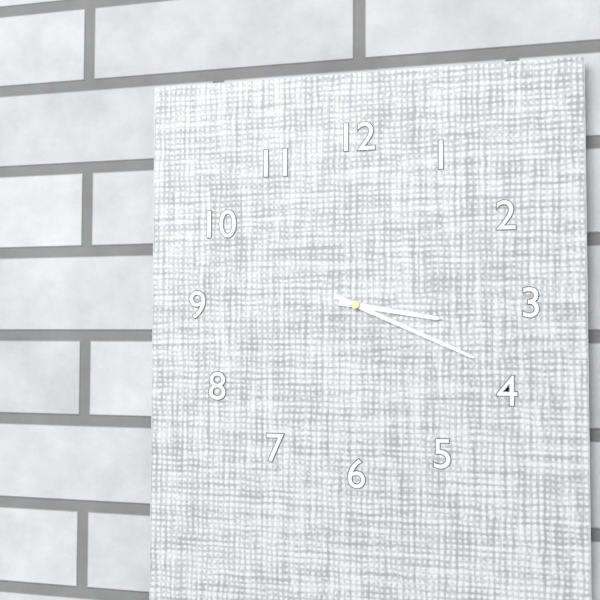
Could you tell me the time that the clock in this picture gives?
3:19
